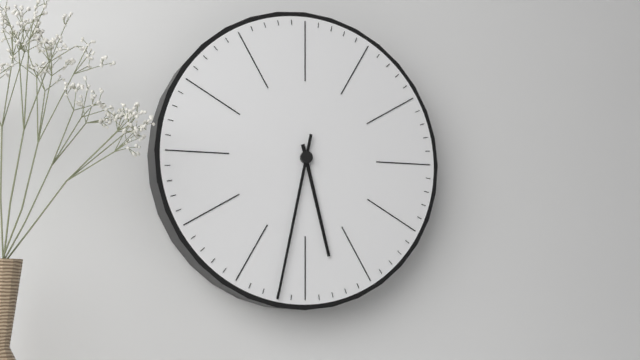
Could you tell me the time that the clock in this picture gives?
5:32
